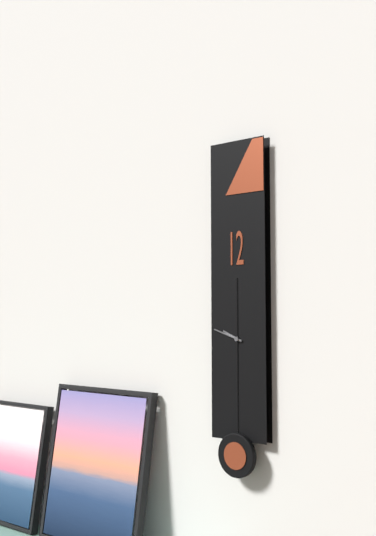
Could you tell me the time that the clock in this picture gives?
9:48
